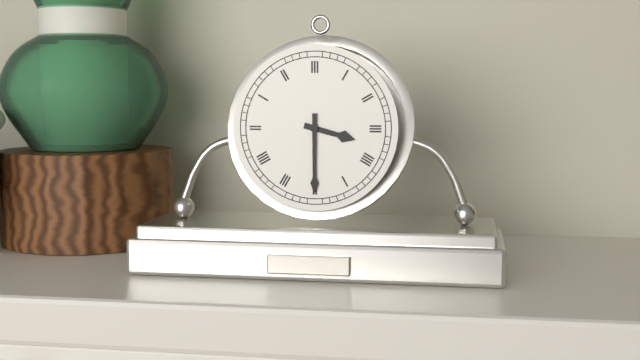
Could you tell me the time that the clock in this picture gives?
3:30
